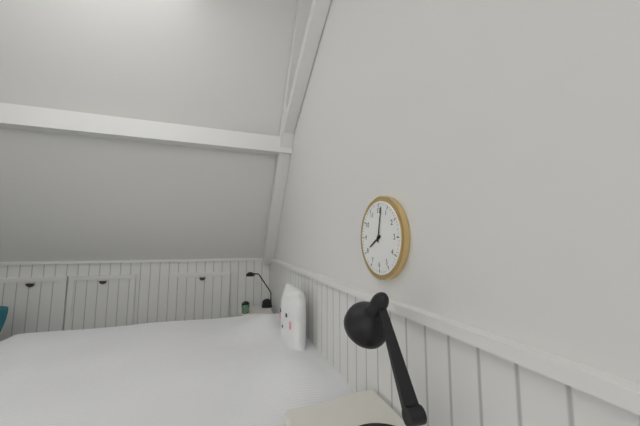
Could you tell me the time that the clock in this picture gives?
8:02
